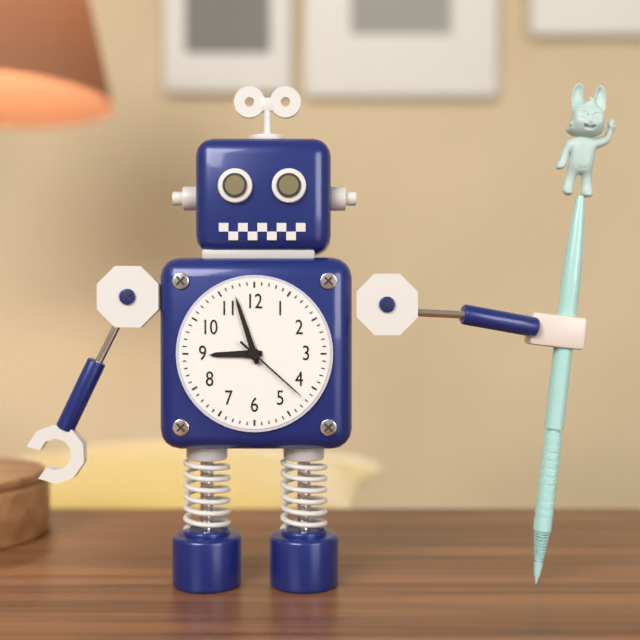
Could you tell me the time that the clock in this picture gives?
8:57:22
